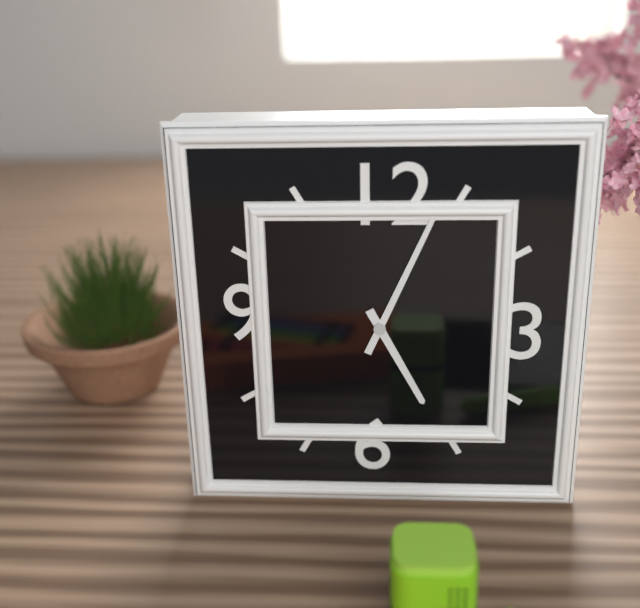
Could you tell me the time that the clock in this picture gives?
5:04
